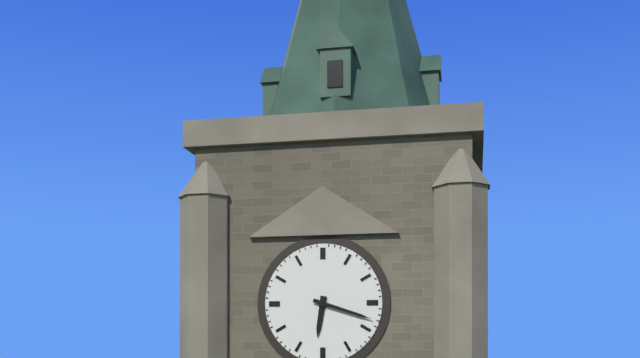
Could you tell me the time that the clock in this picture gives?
6:18
